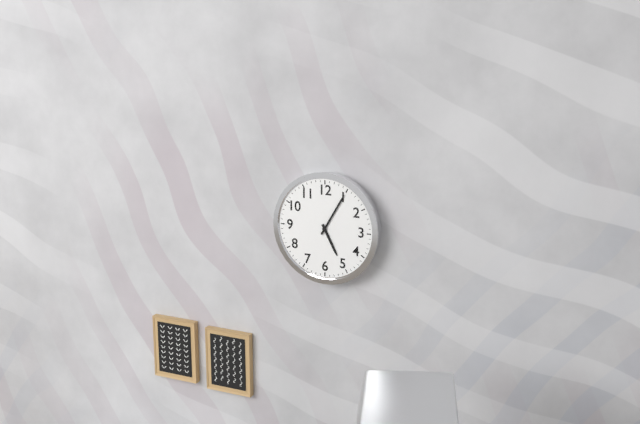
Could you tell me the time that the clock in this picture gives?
5:05
